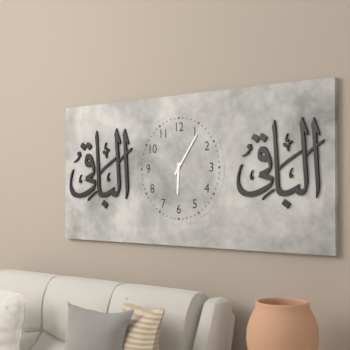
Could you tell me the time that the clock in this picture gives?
6:06
